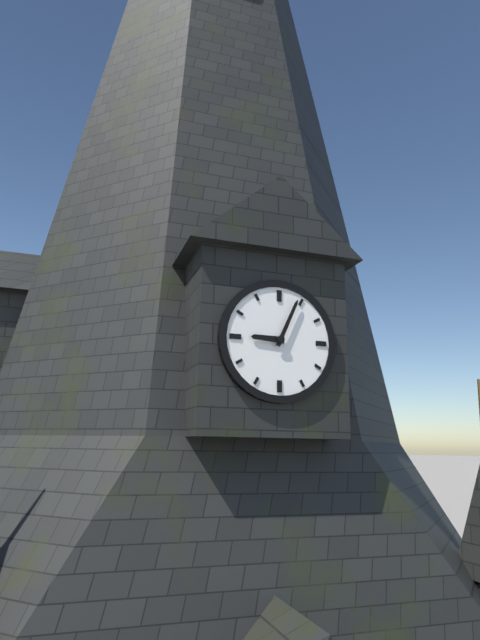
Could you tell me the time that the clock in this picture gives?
9:04
